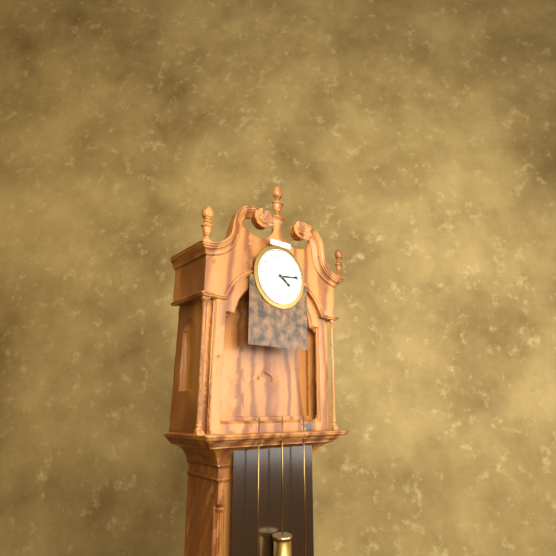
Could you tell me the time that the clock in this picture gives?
4:14
